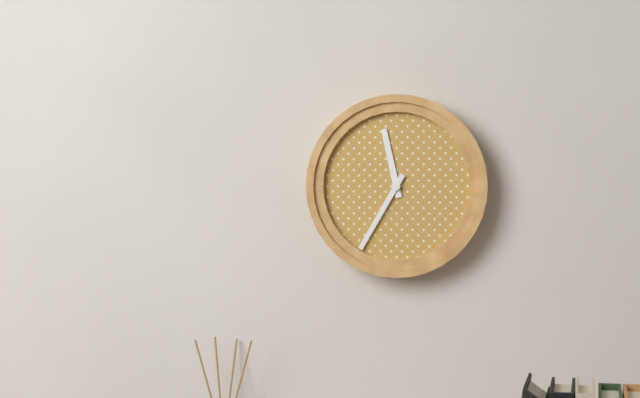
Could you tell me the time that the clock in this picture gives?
11:35
